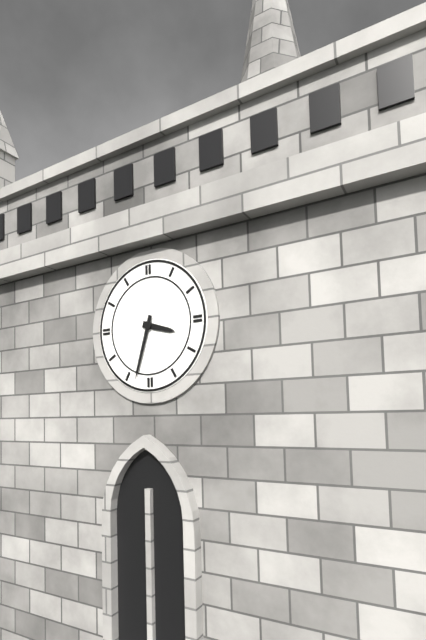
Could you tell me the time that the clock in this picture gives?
3:33
